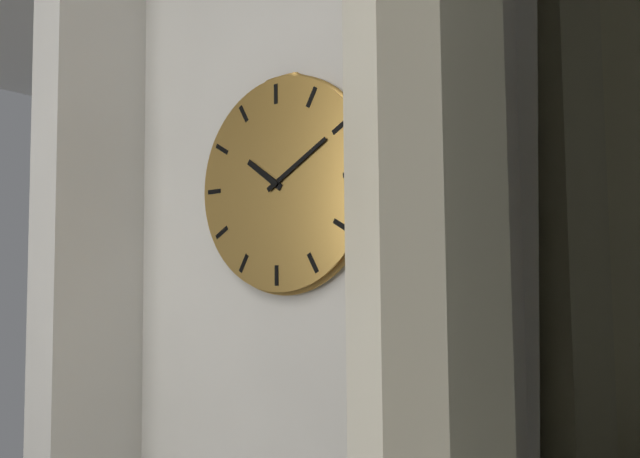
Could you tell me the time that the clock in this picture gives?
10:10
